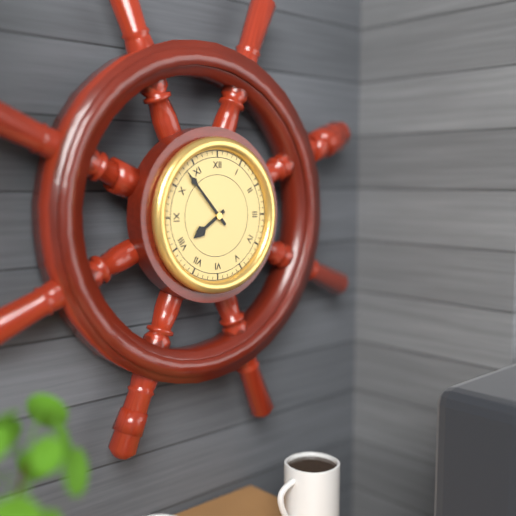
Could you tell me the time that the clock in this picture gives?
7:53
